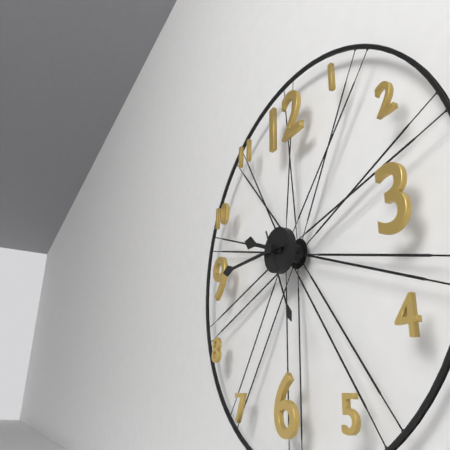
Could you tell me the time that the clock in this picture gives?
9:45:26
